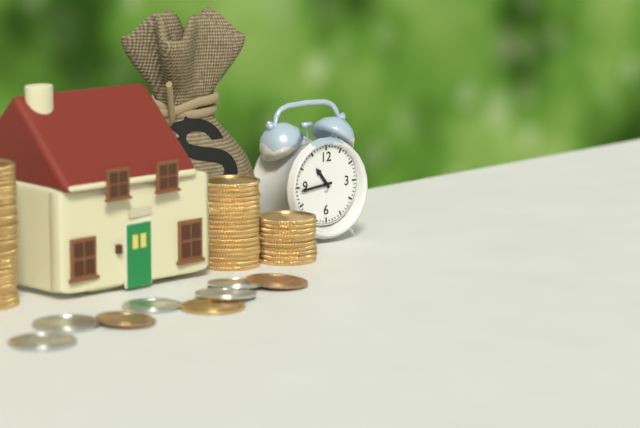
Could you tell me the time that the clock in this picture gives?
10:44
